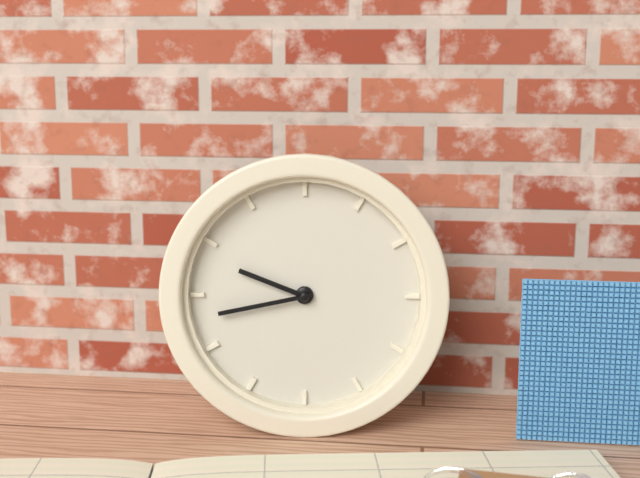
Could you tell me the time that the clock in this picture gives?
9:43
